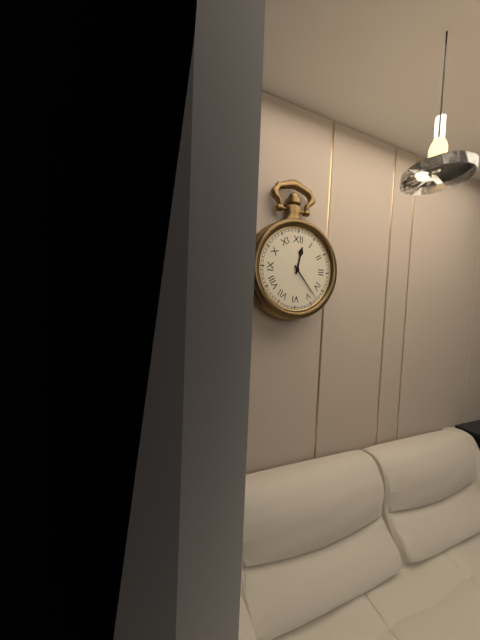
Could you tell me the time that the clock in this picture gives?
12:23
